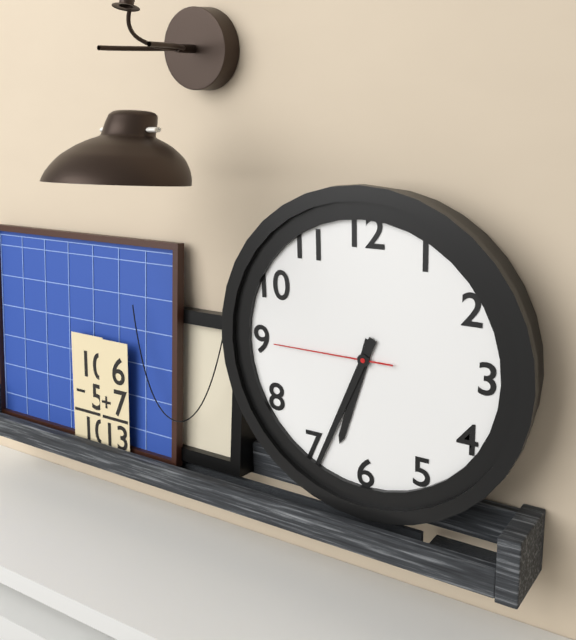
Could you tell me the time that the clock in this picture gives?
6:34:45
